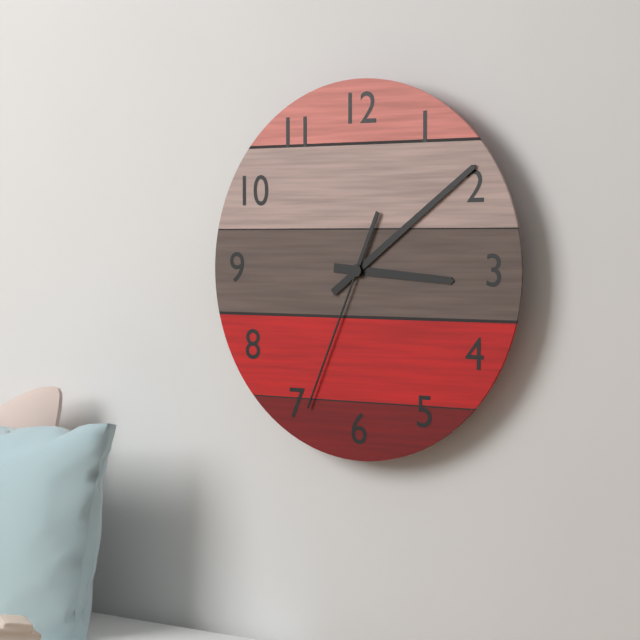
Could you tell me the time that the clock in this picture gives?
3:09:34
